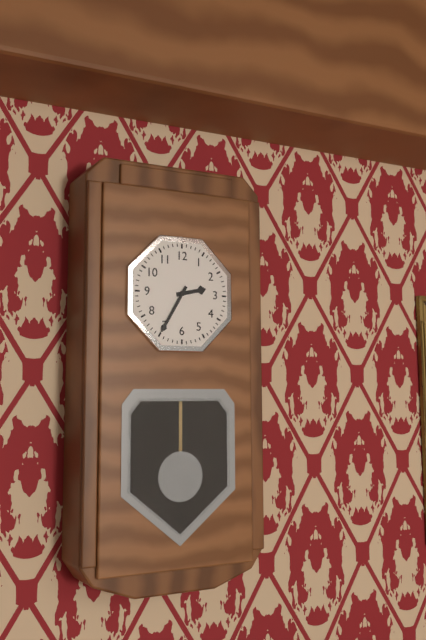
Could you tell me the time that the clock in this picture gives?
2:35
